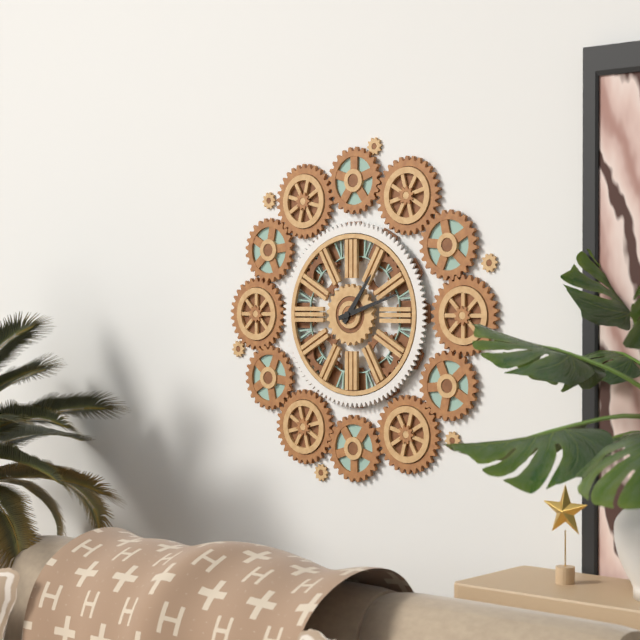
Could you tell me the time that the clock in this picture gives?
1:12
